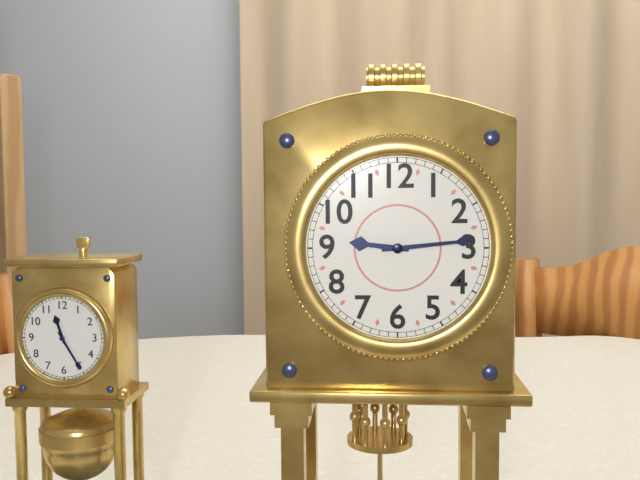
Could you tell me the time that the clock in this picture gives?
9:14
